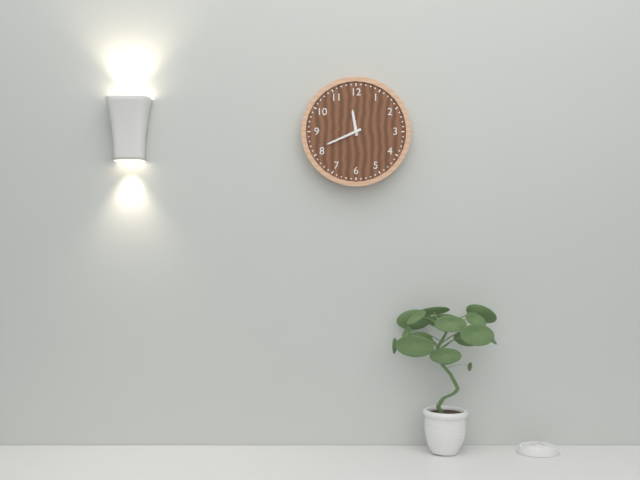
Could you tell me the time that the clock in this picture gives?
11:41
